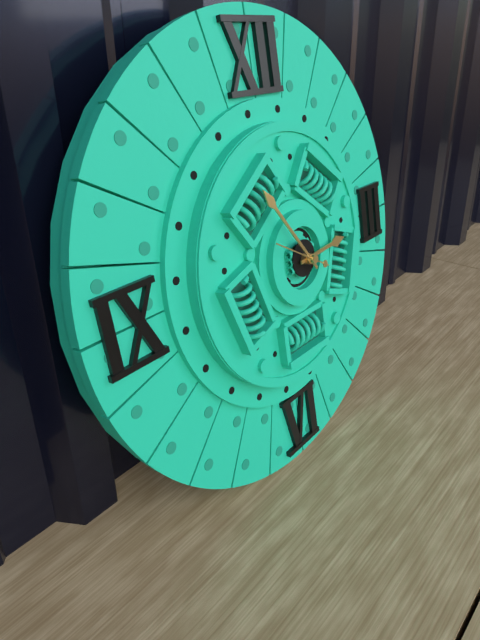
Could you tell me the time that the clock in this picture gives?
2:54
